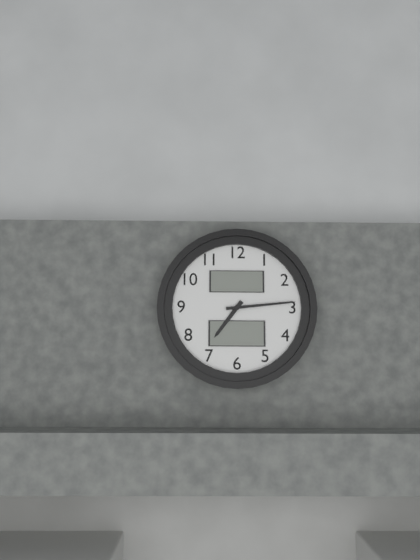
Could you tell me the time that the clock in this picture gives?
7:14
